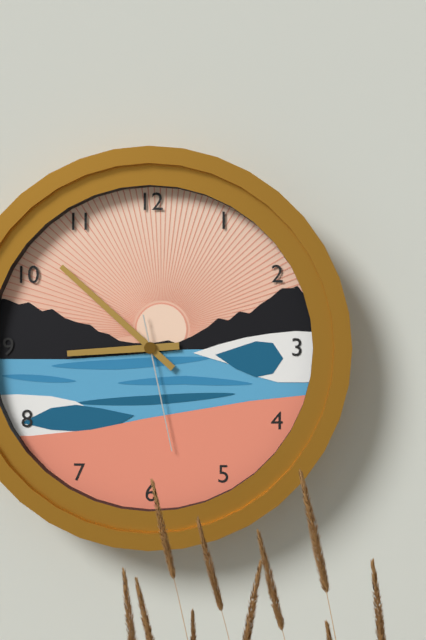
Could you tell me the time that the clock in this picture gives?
8:52:28
